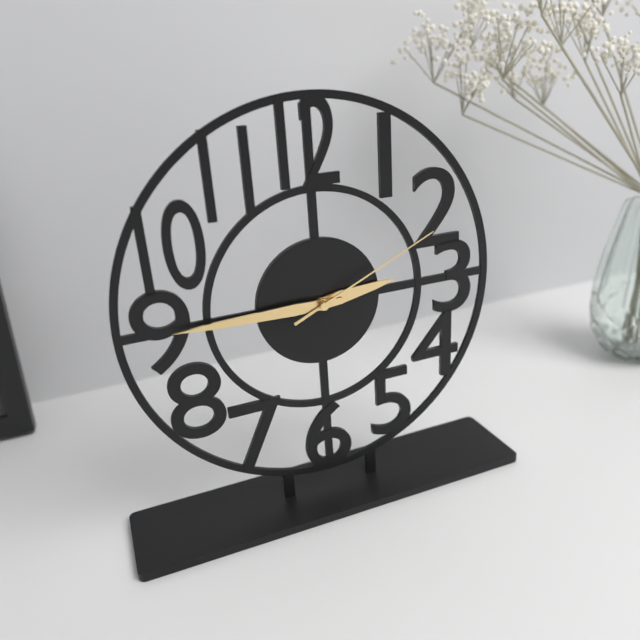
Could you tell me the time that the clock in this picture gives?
2:45:11
